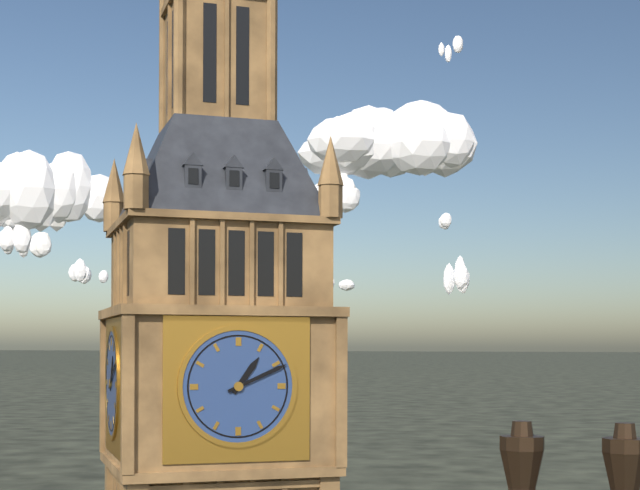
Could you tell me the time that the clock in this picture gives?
1:11
